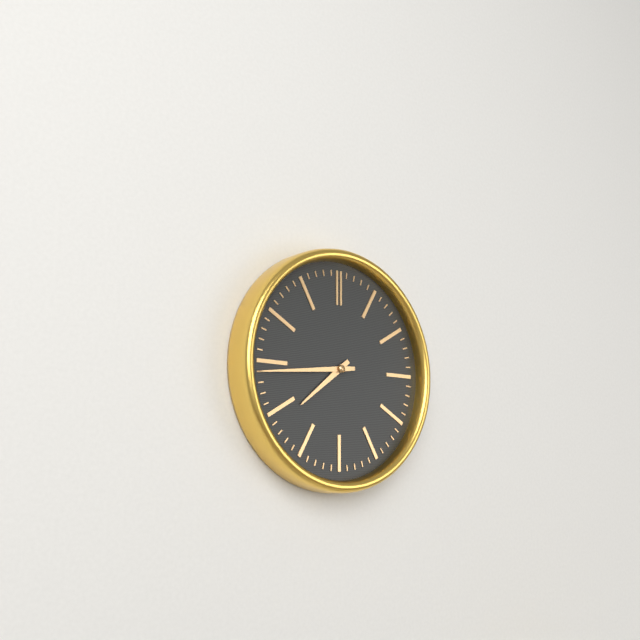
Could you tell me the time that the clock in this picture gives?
7:44
